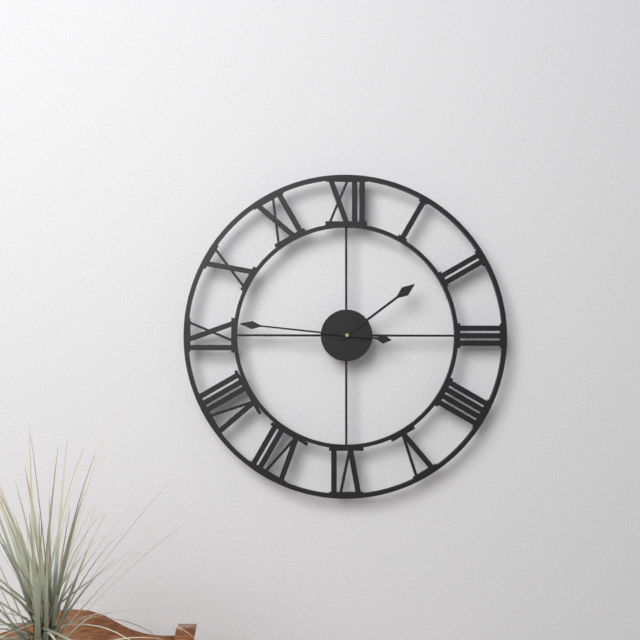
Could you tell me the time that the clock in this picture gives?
1:46
